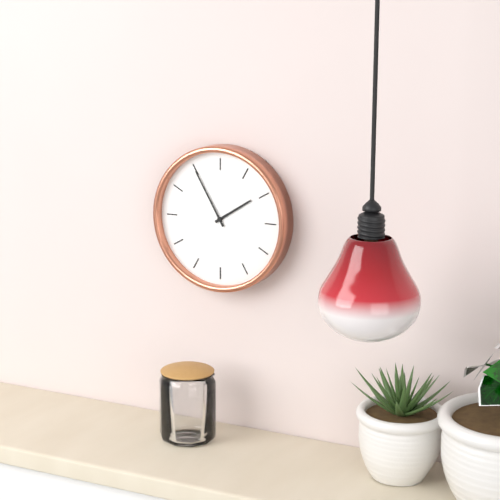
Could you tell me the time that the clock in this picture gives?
1:55
